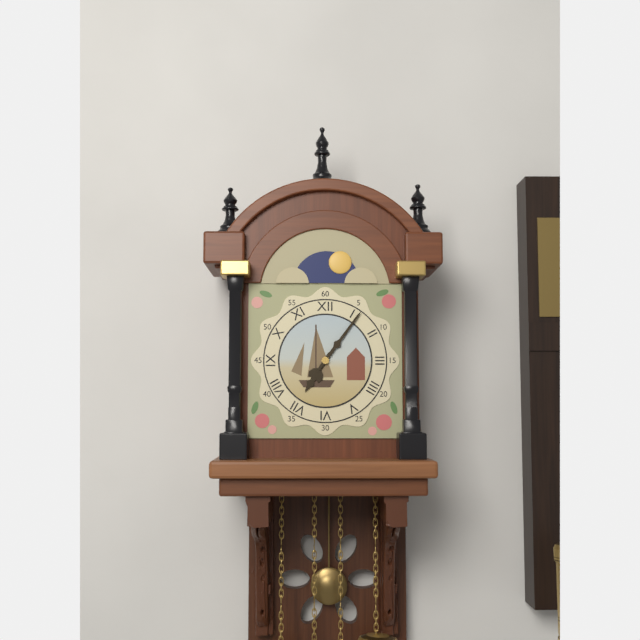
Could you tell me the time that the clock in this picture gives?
7:06
